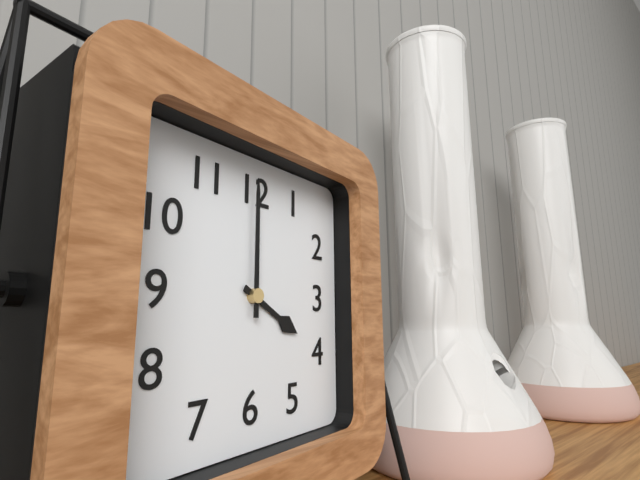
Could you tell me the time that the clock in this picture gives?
4:00
